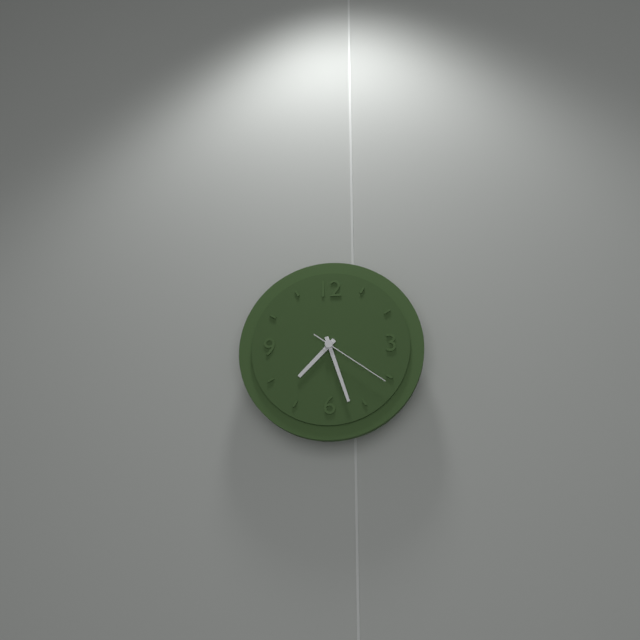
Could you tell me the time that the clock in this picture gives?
7:27:21
